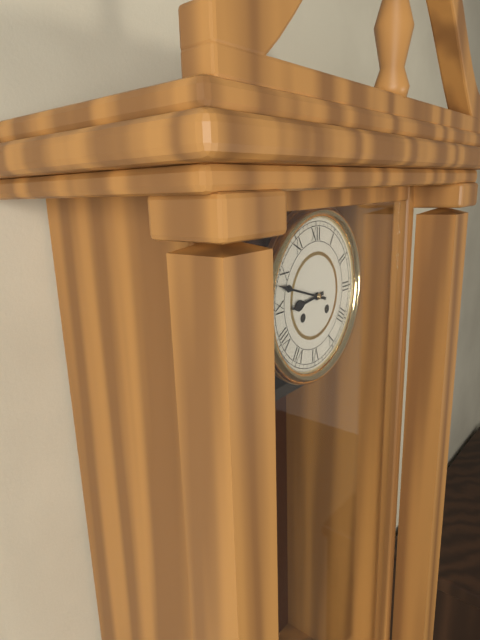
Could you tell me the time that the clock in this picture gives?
8:48
